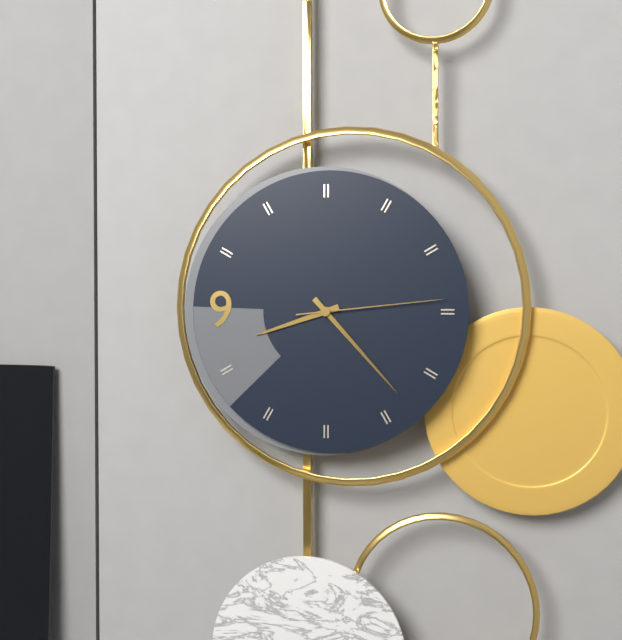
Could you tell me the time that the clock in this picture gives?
8:23:14
